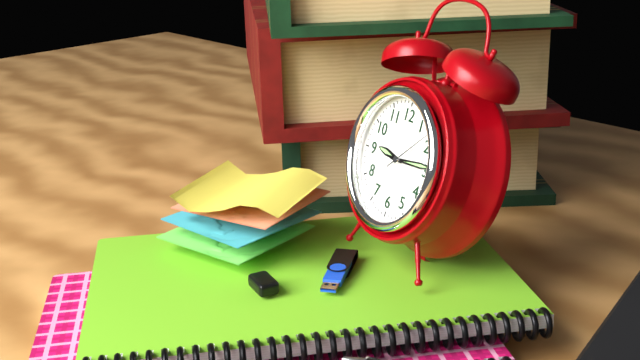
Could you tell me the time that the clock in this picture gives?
9:14:08
